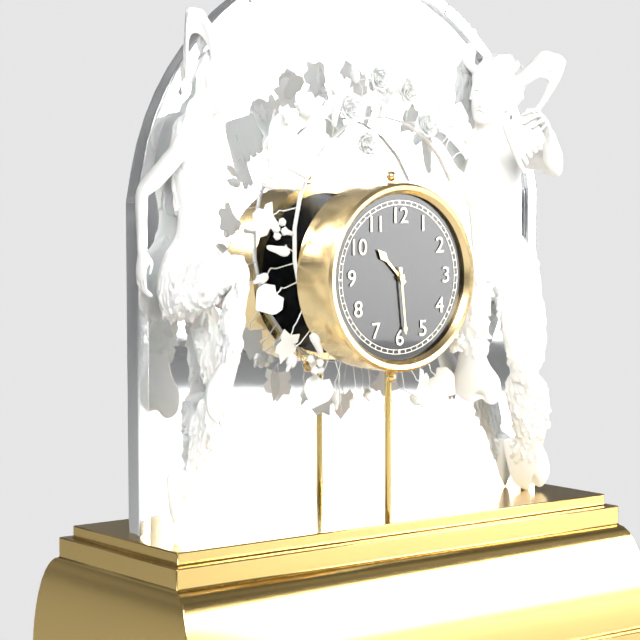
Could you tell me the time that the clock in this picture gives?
10:29
